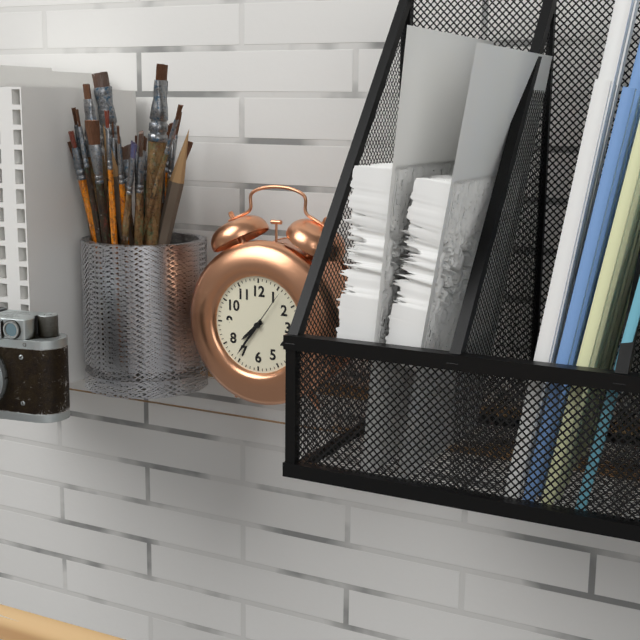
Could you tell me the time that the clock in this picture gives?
7:36
